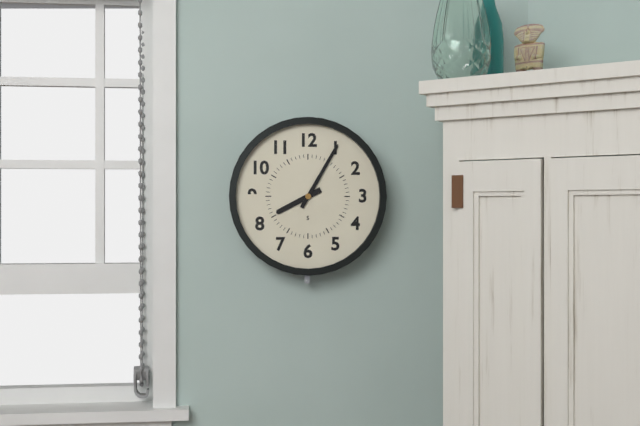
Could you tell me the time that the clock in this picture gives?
8:05
